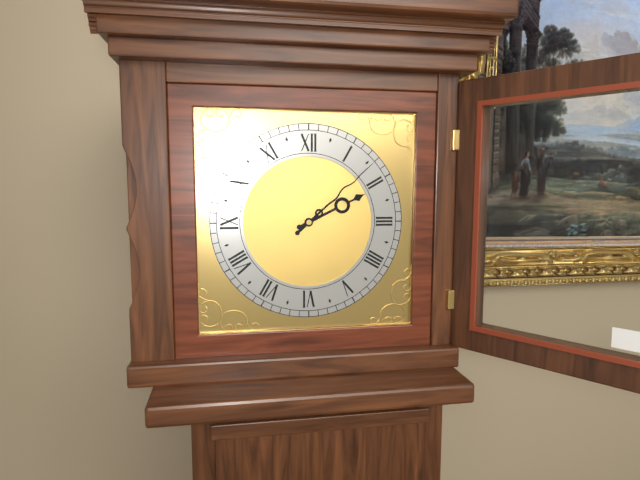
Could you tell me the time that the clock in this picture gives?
2:08
